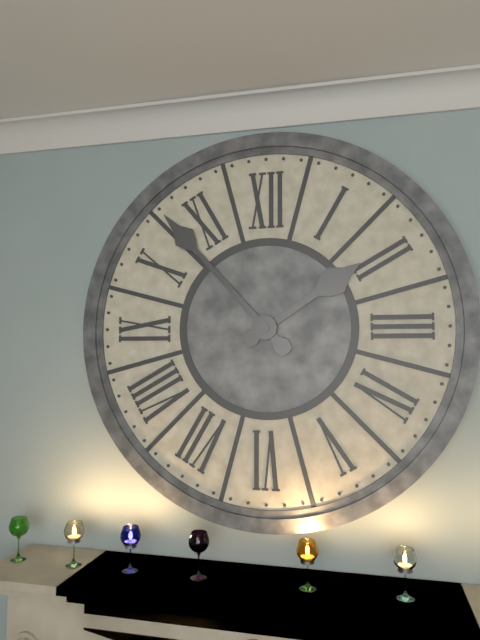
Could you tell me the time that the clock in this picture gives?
1:53
